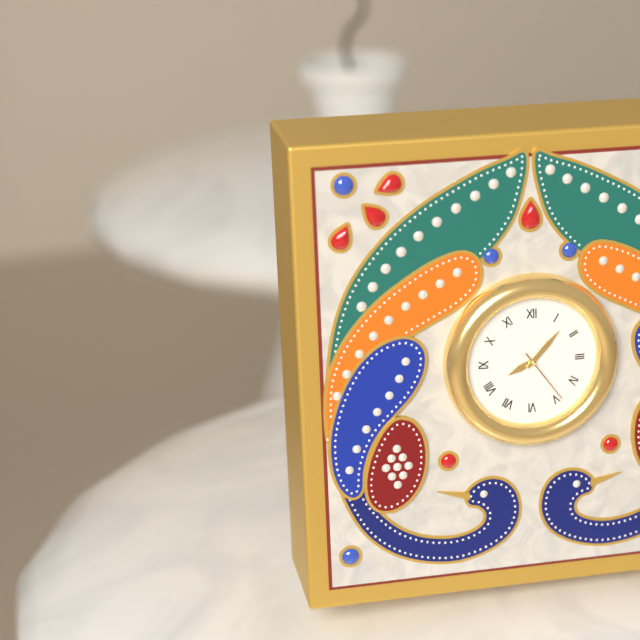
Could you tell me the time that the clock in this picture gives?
8:07:24
